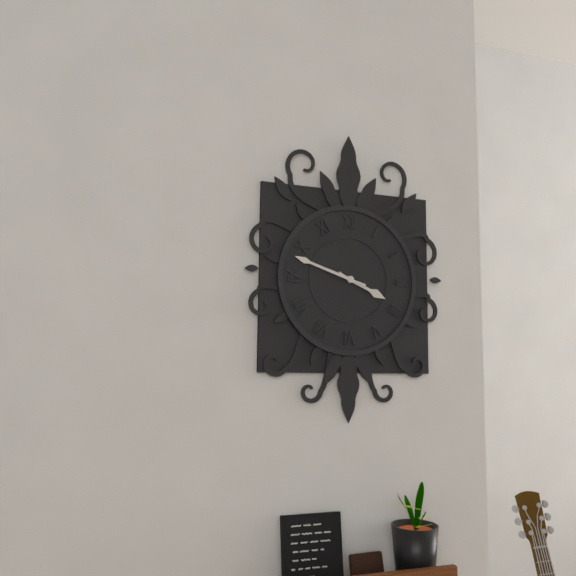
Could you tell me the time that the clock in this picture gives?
3:48
